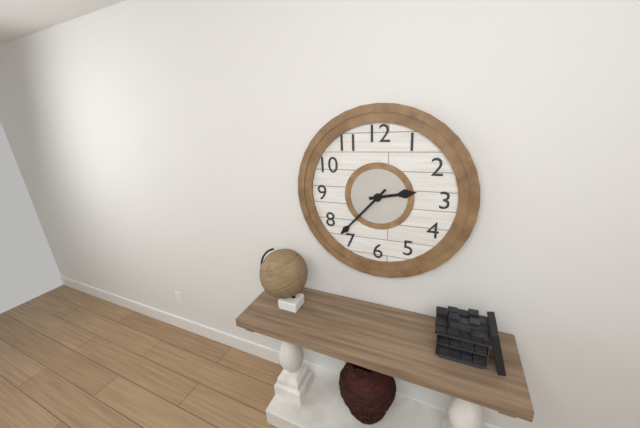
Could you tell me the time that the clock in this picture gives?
2:37
